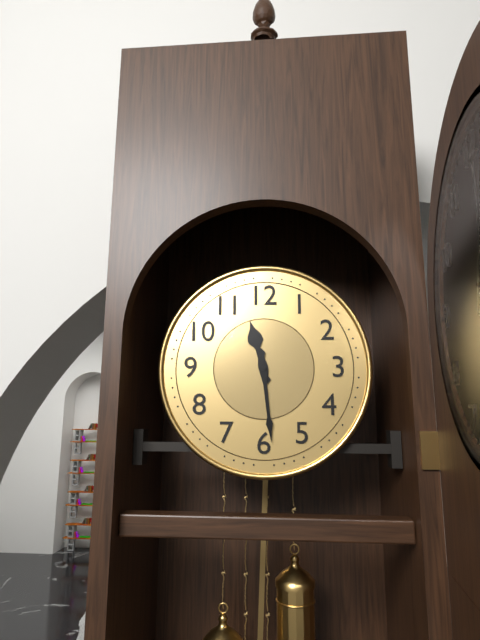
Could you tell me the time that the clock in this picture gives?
11:29
